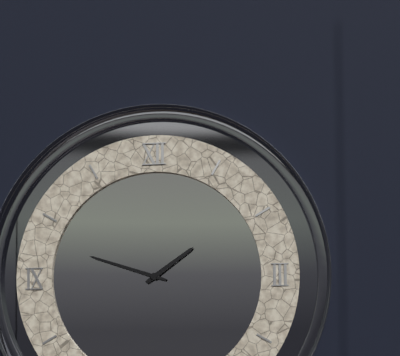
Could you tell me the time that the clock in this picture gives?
1:48
